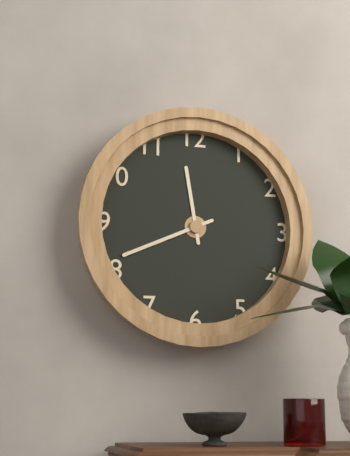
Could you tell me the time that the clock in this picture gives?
11:41
